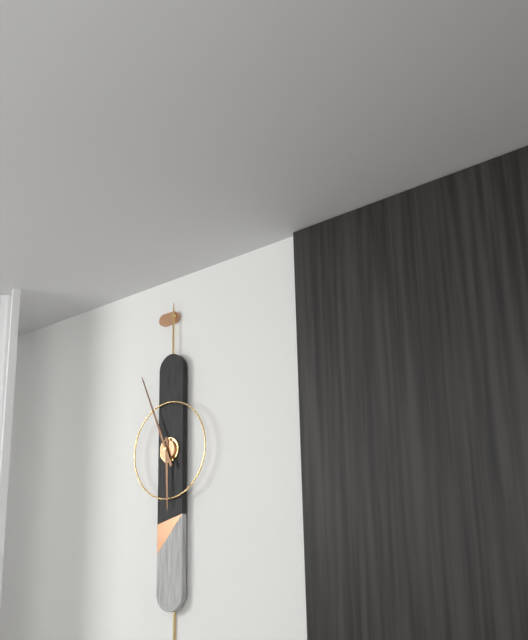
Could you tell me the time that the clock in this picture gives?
5:56
